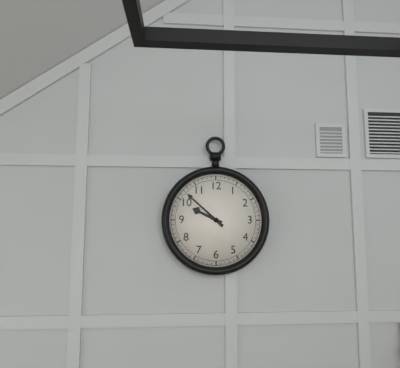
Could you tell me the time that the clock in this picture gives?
9:52
